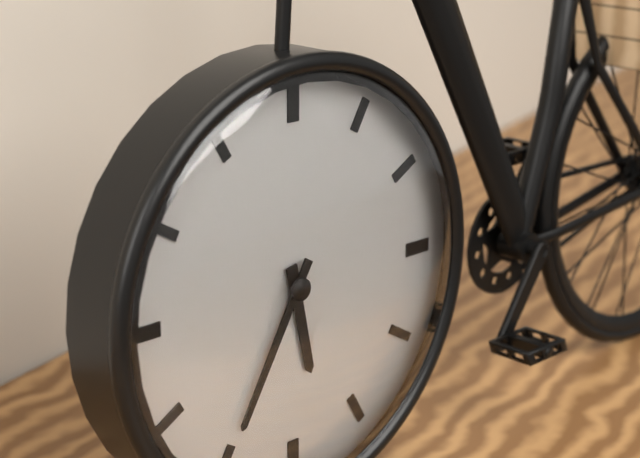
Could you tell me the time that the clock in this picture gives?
5:35
